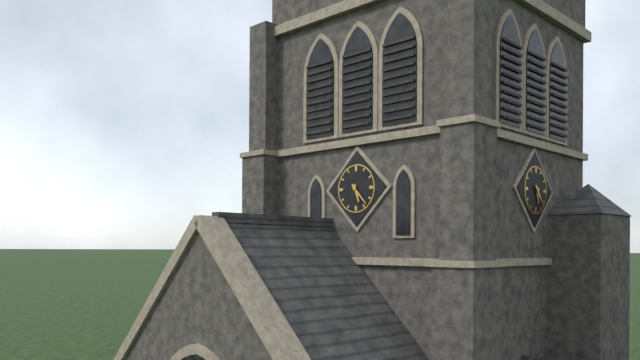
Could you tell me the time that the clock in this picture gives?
5:23
